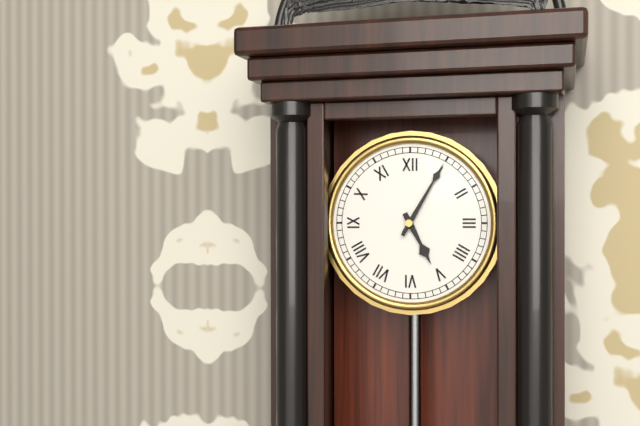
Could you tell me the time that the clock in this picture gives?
5:05
